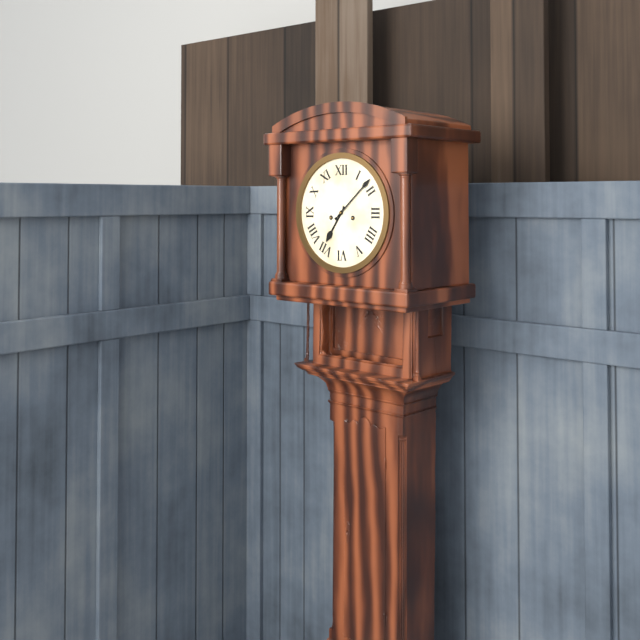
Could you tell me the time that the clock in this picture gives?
7:08
